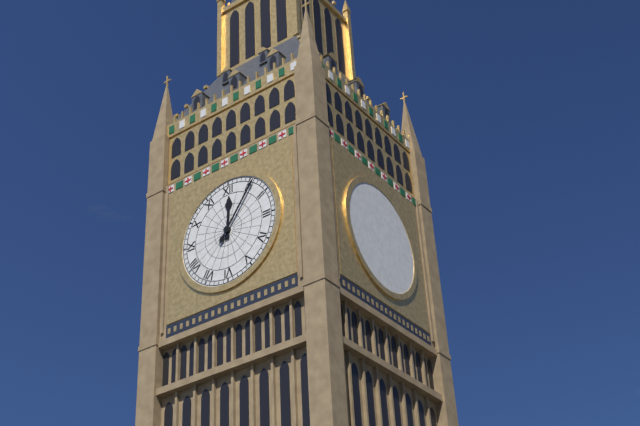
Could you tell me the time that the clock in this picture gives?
12:06
